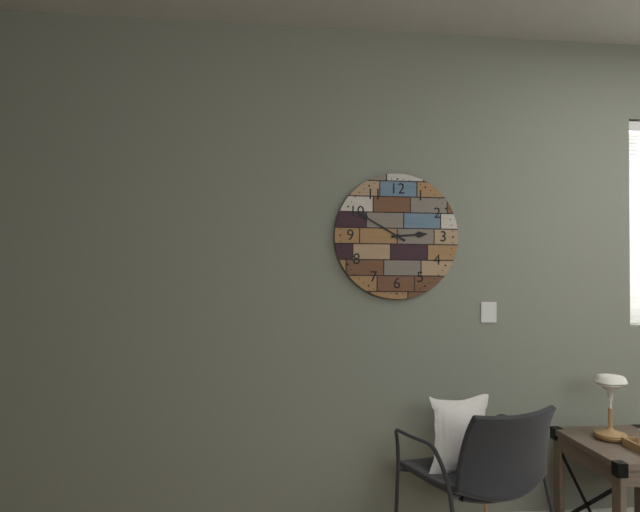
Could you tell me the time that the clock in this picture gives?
2:50
